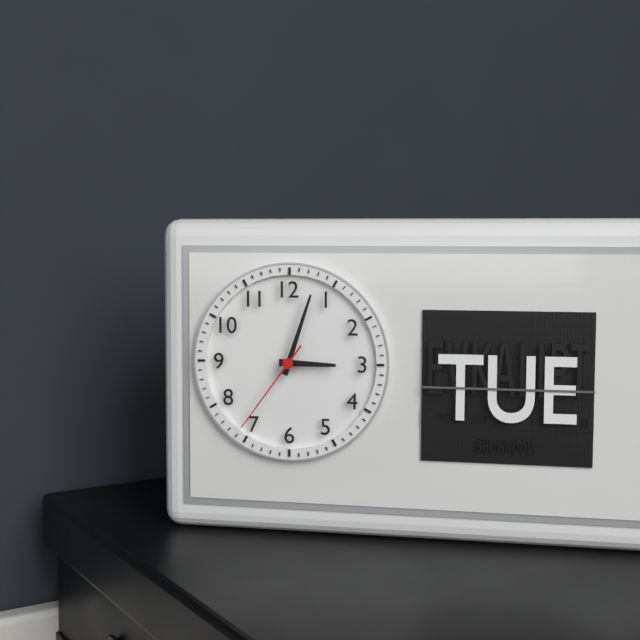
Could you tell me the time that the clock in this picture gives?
3:03:36
